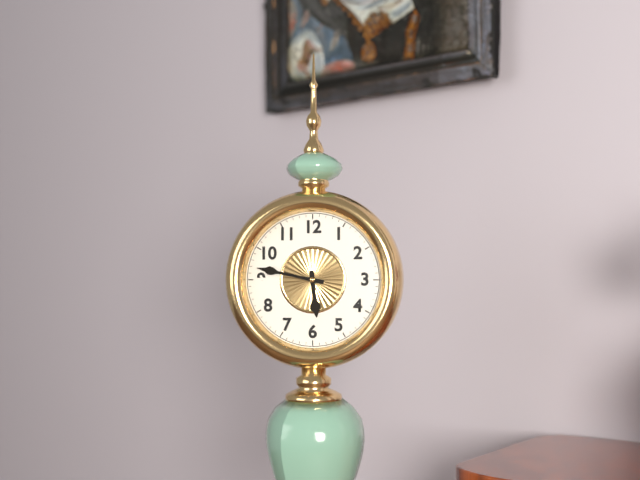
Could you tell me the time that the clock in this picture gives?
5:47
